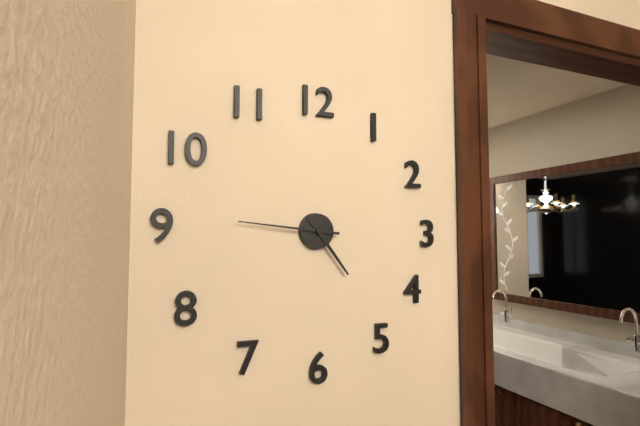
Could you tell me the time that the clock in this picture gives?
4:46
